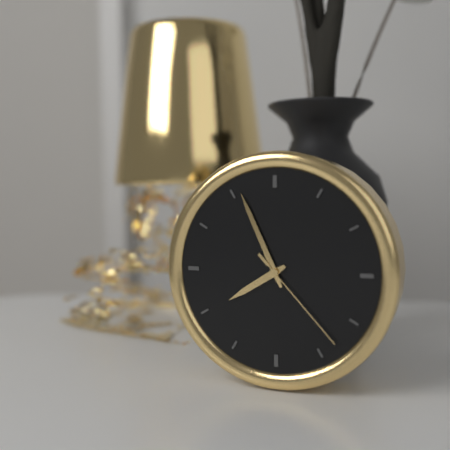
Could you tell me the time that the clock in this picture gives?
7:56:23
